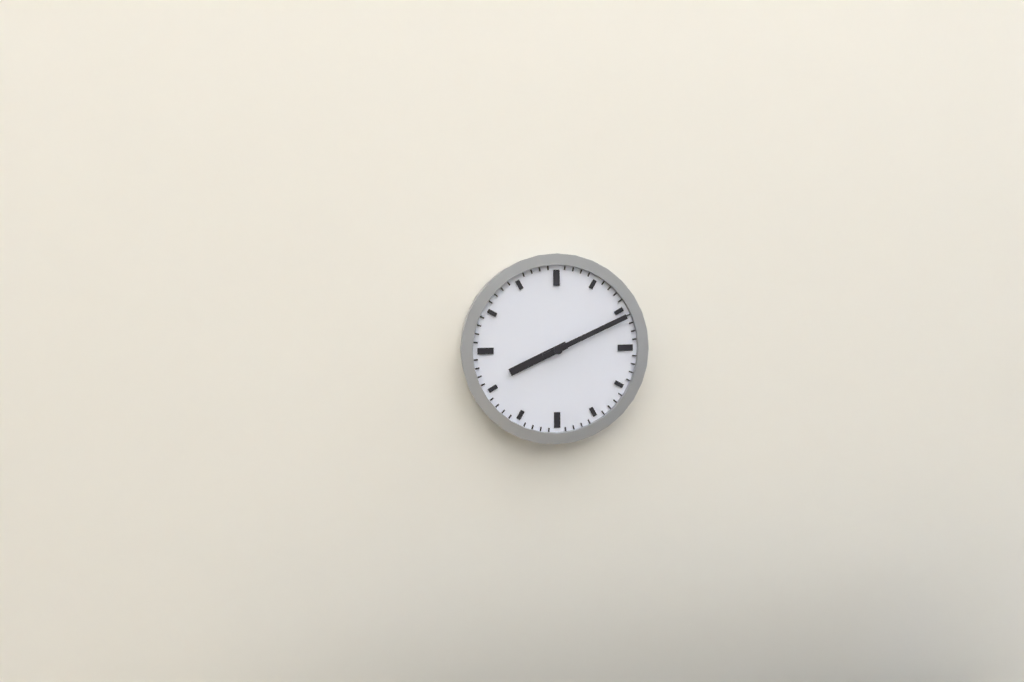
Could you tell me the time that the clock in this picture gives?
8:11
